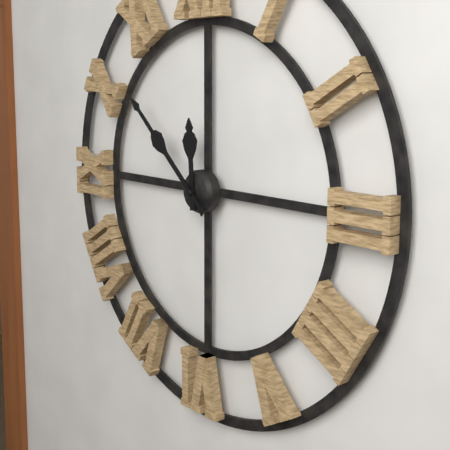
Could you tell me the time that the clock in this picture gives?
11:52
